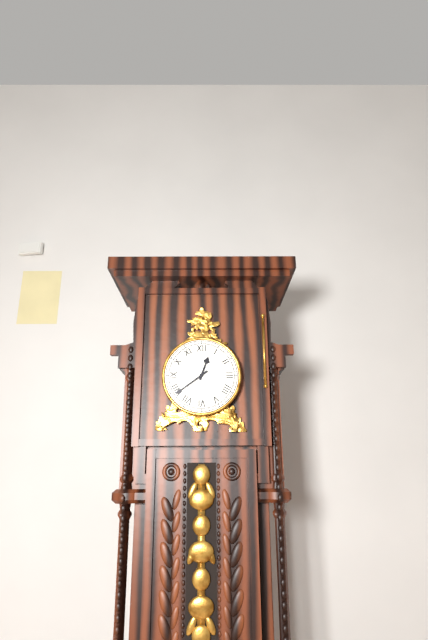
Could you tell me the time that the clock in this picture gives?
12:39
